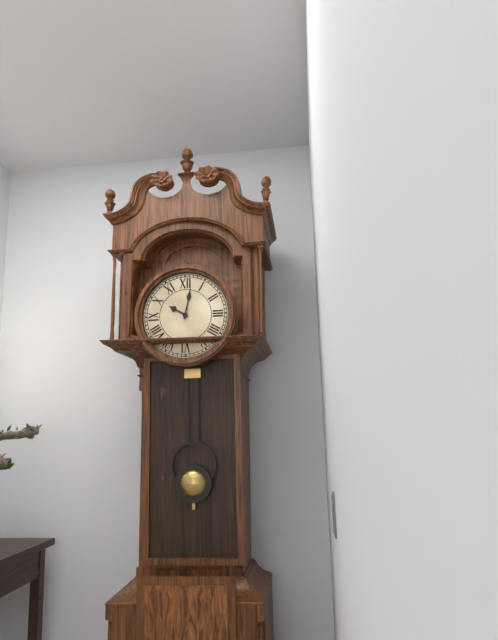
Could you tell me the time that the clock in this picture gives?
10:02
